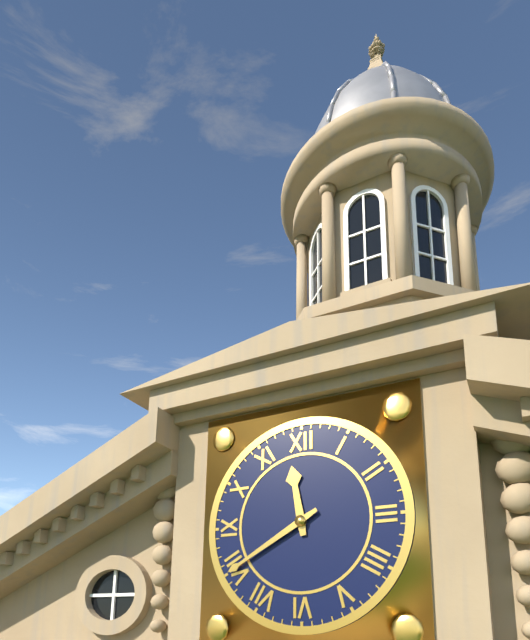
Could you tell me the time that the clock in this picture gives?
11:40
